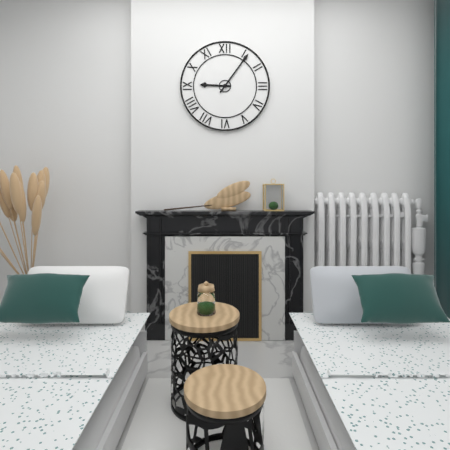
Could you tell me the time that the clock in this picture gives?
9:06
